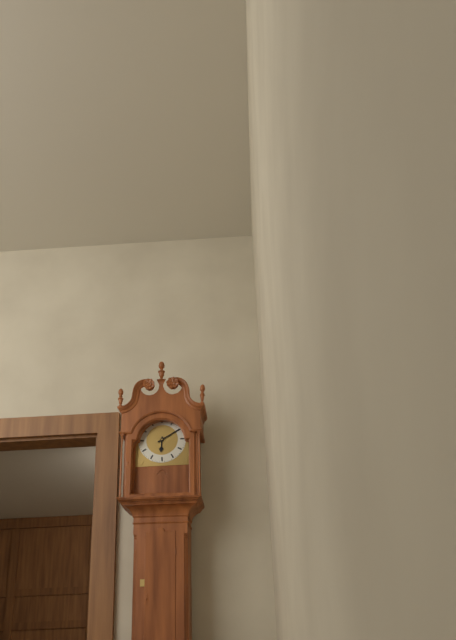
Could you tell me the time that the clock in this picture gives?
6:10
